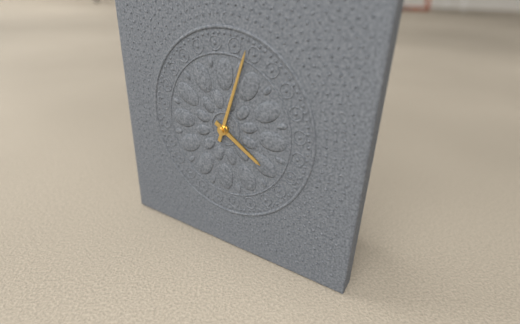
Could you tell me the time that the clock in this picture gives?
4:03
